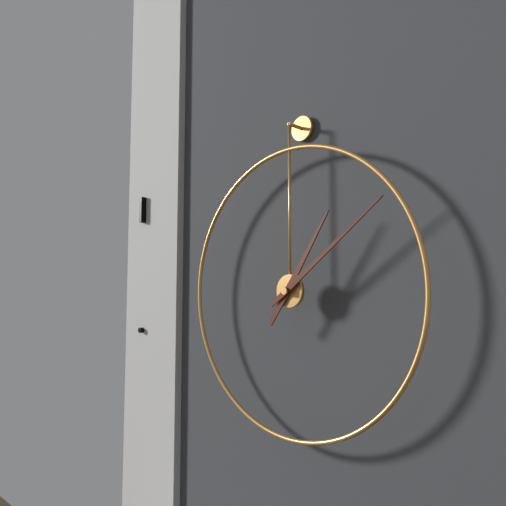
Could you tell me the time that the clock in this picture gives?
1:09
